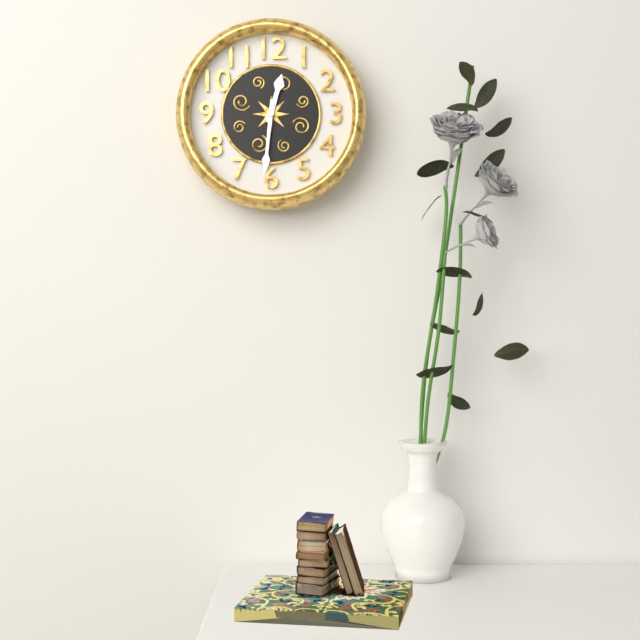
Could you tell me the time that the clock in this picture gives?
12:31
